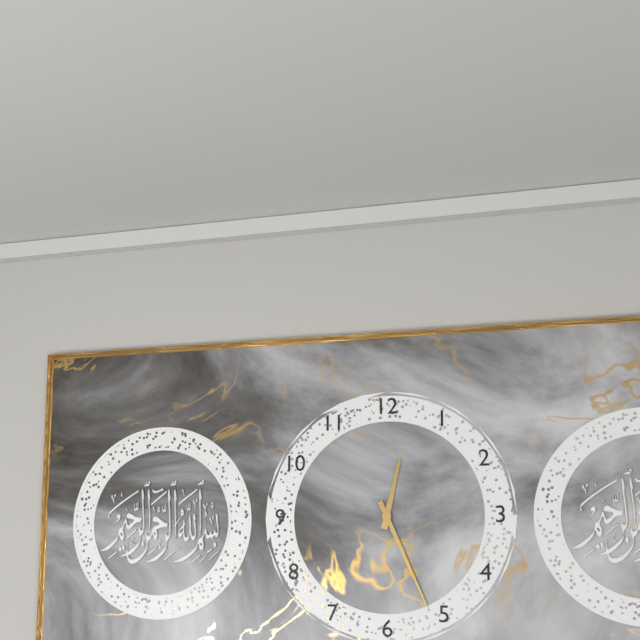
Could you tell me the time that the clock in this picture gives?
12:26
